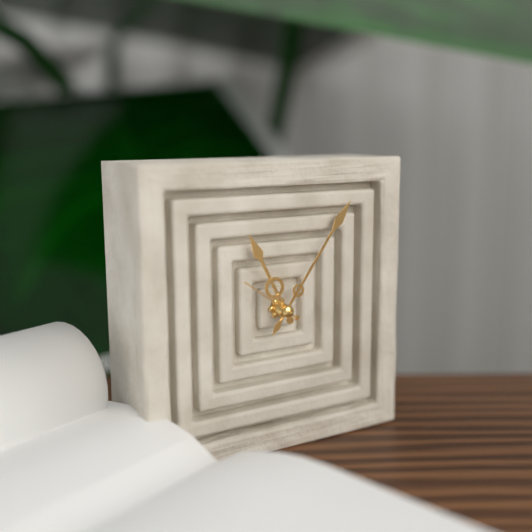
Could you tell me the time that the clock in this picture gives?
11:06:51
